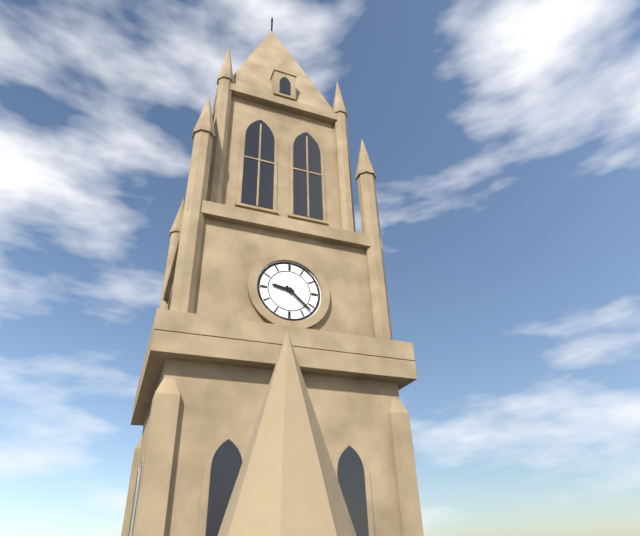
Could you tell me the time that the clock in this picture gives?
9:22
